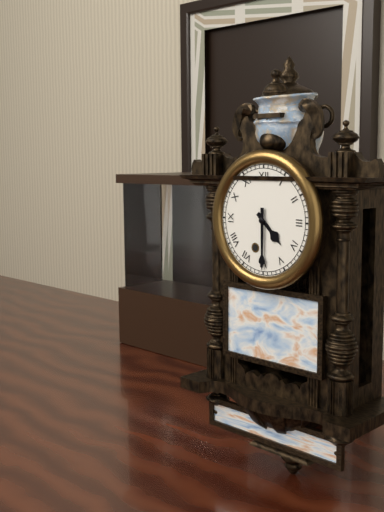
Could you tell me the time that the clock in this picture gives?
4:30
